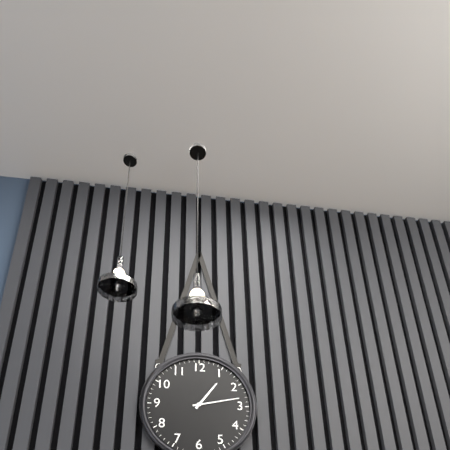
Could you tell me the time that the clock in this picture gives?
1:13
